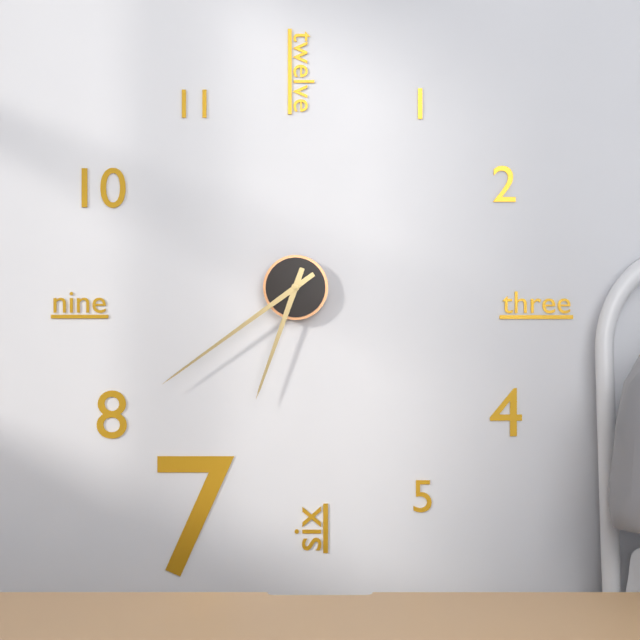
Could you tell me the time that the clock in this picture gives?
6:39
